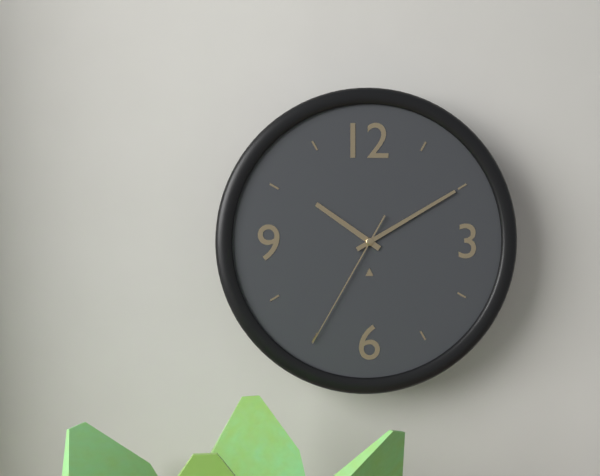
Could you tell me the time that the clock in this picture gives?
10:10:35
